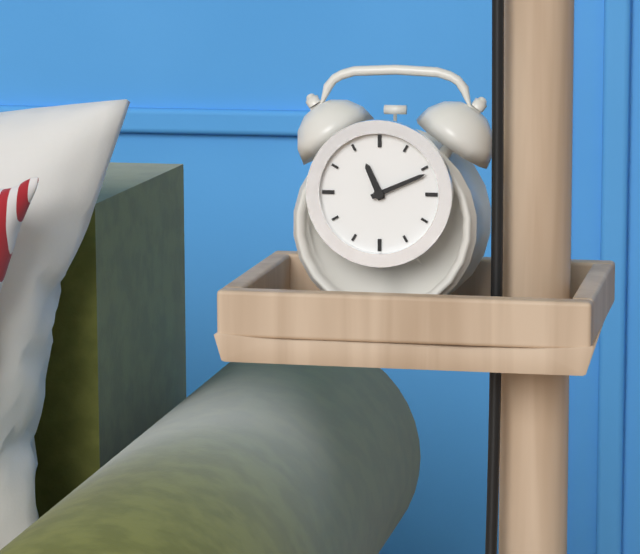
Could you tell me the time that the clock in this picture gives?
11:11
